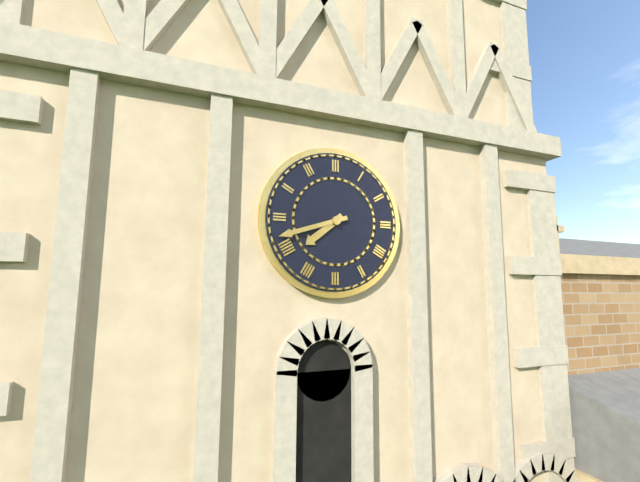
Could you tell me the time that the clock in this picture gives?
7:42
